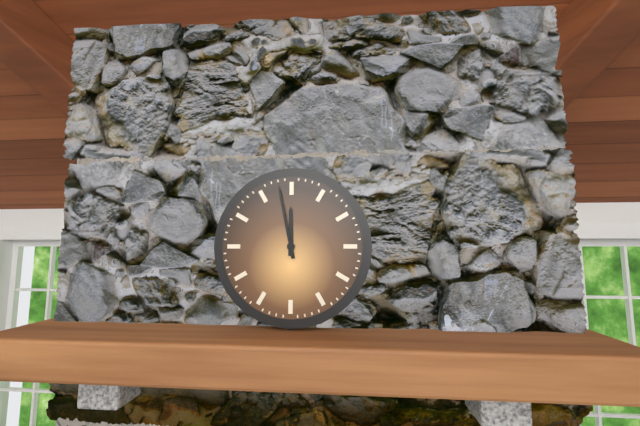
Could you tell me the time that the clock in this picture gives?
11:58
